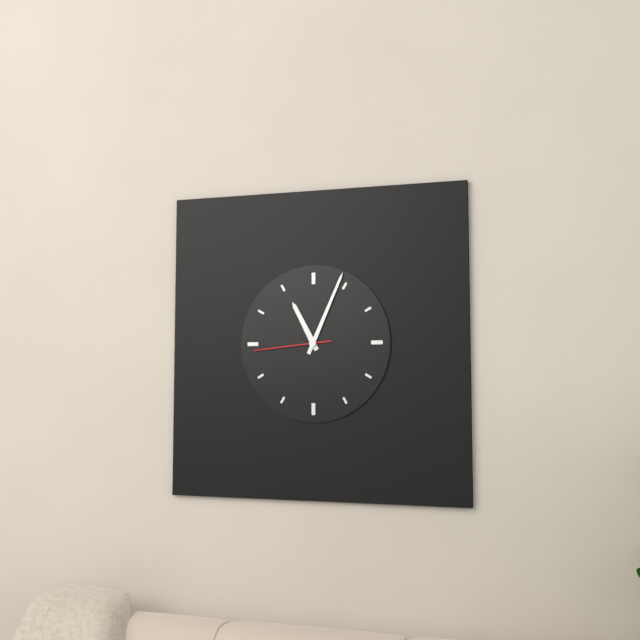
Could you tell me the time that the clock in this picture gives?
11:04:44
